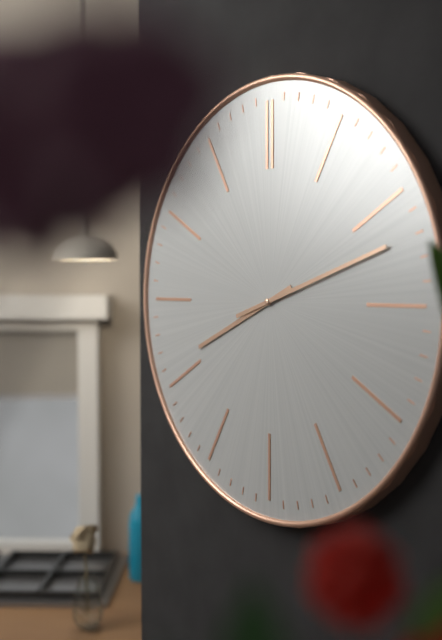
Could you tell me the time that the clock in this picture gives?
8:12
